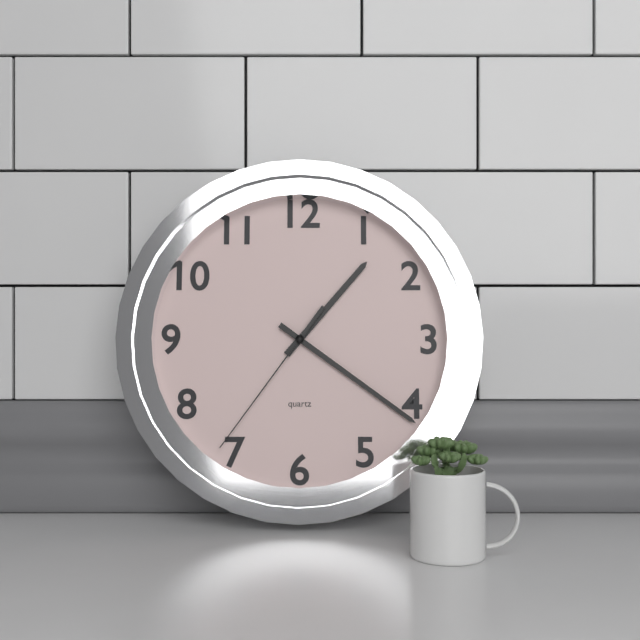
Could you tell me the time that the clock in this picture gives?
1:21:36
